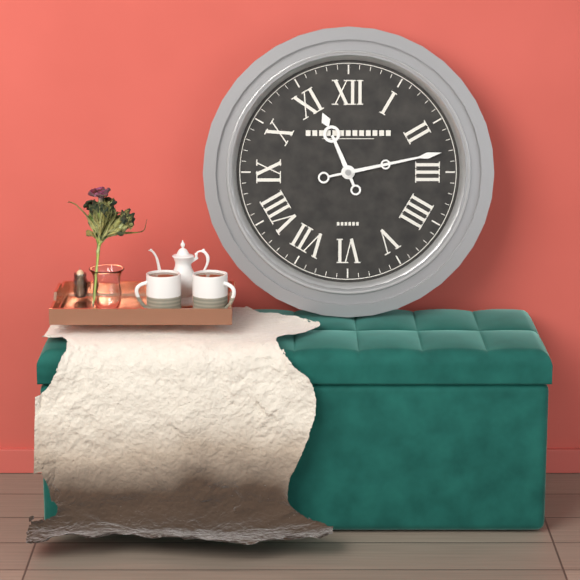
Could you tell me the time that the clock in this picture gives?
11:13
